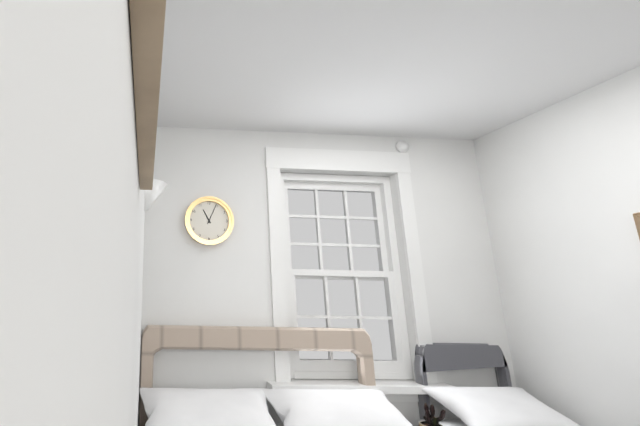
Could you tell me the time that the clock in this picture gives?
11:04
